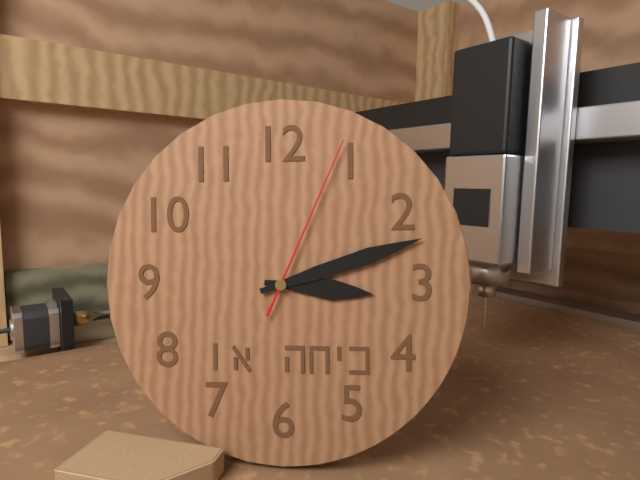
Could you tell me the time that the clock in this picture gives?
3:12:04
